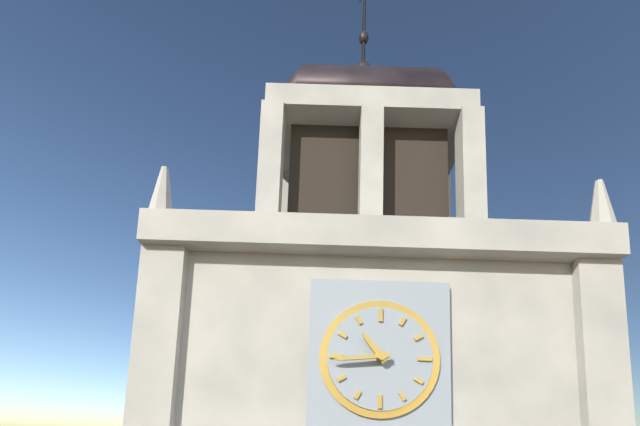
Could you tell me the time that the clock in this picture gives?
10:44
